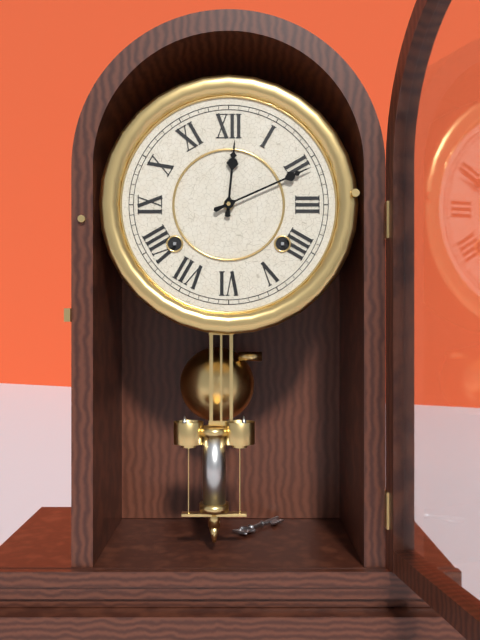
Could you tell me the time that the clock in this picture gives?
12:11
